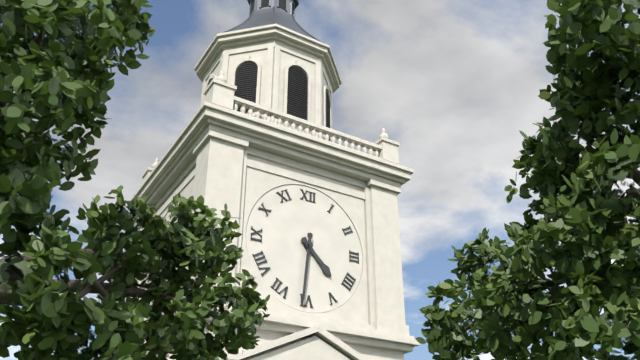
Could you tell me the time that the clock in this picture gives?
4:31
